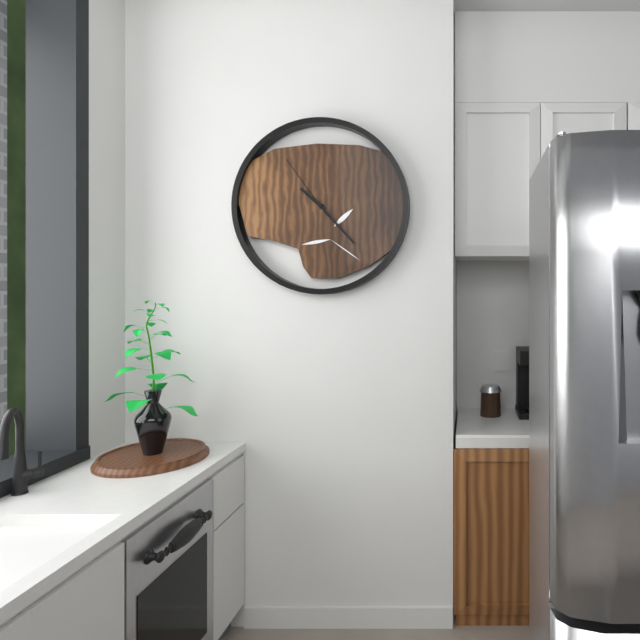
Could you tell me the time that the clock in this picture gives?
10:23:54
